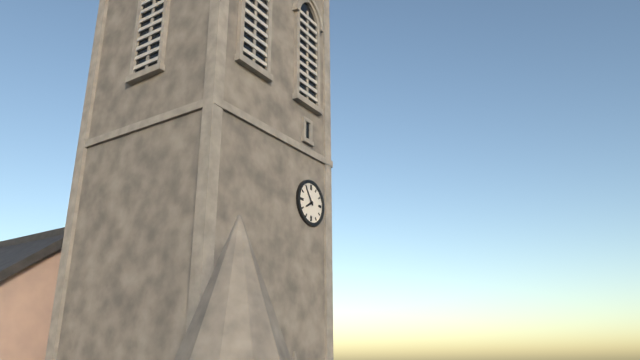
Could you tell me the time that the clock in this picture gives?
7:54
